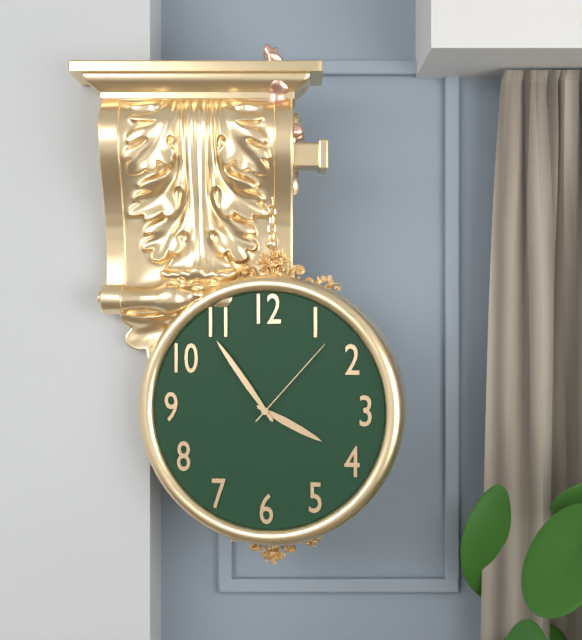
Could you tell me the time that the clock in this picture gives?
3:54:07
